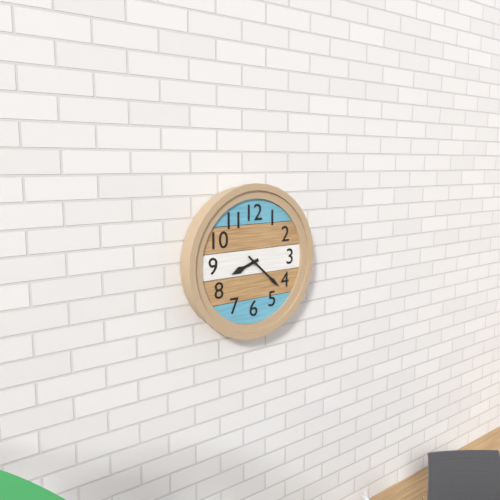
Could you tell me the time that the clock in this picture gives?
8:22
